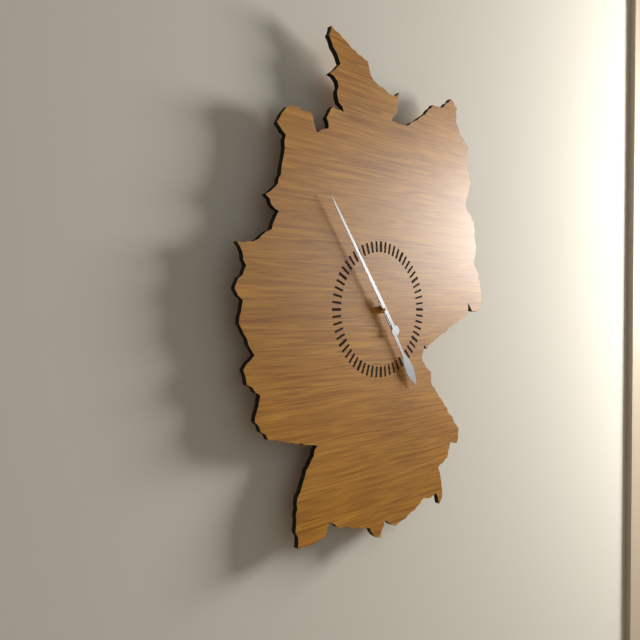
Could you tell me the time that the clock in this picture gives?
4:54
